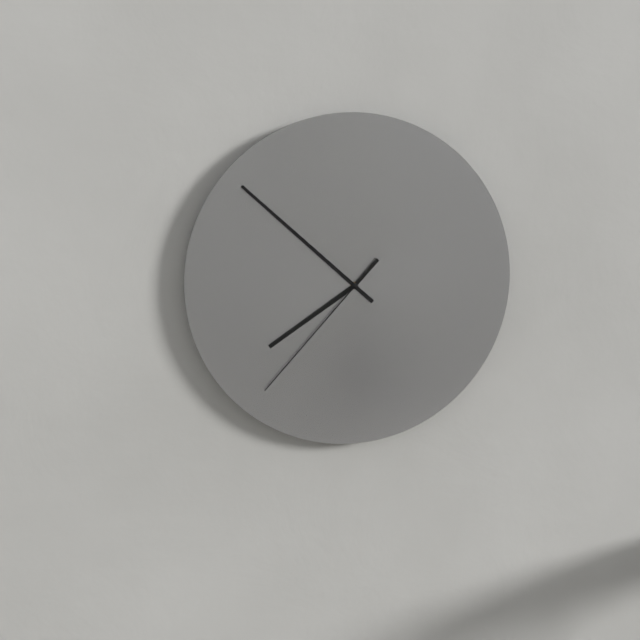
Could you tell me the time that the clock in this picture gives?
7:52:37
